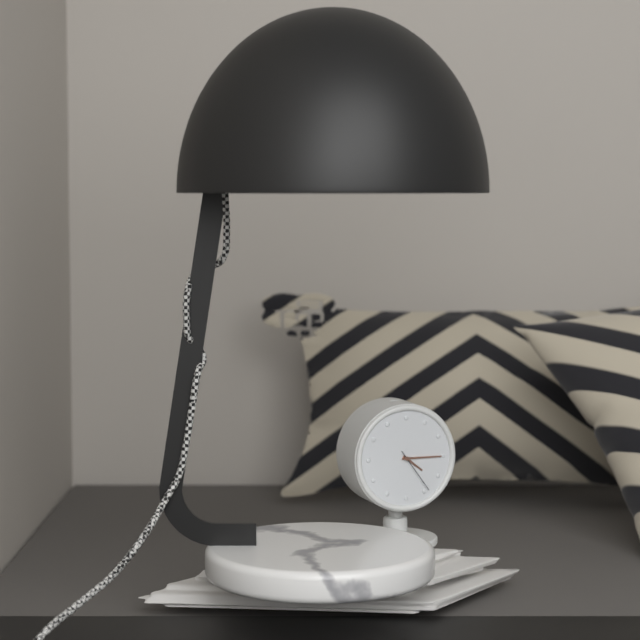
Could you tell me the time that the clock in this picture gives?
4:15
